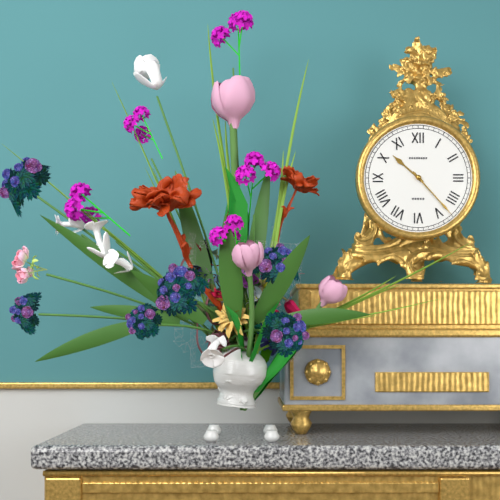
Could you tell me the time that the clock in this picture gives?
10:23
